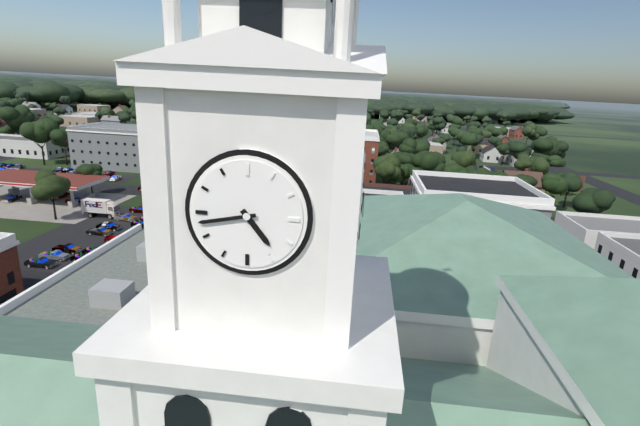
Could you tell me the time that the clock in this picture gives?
4:43
